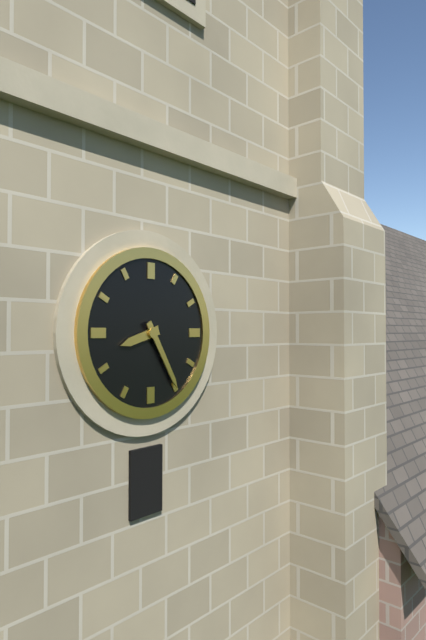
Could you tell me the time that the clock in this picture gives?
8:25
